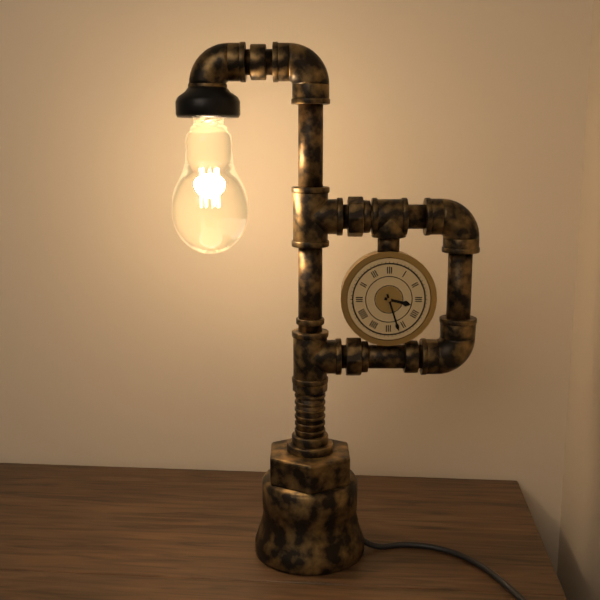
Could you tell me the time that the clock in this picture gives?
3:27
